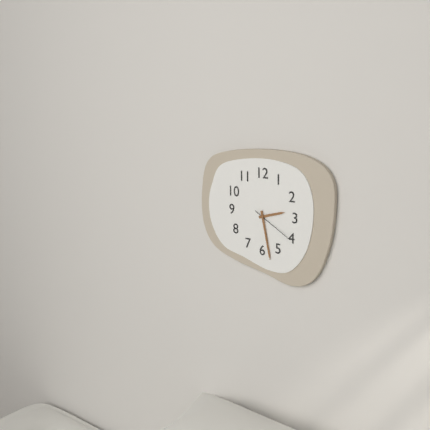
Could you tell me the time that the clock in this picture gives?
2:28
